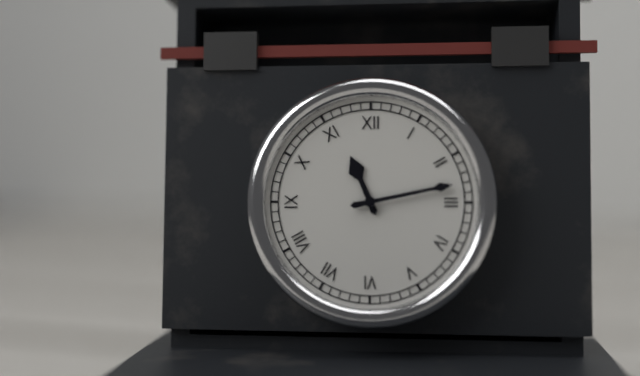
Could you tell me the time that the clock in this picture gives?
11:13
